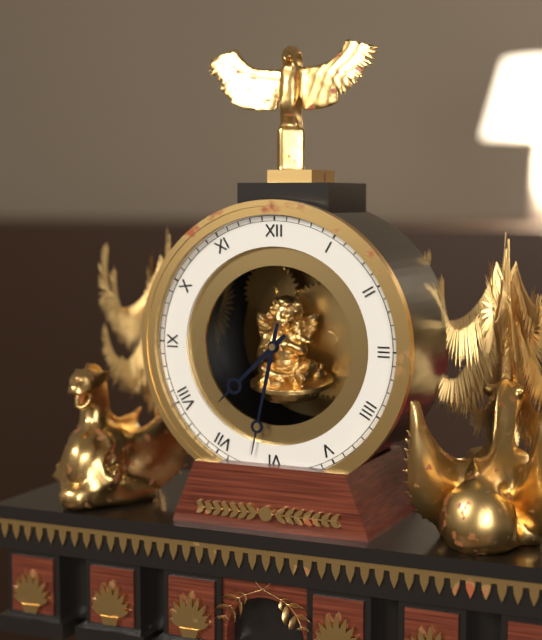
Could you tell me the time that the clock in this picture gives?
7:32
